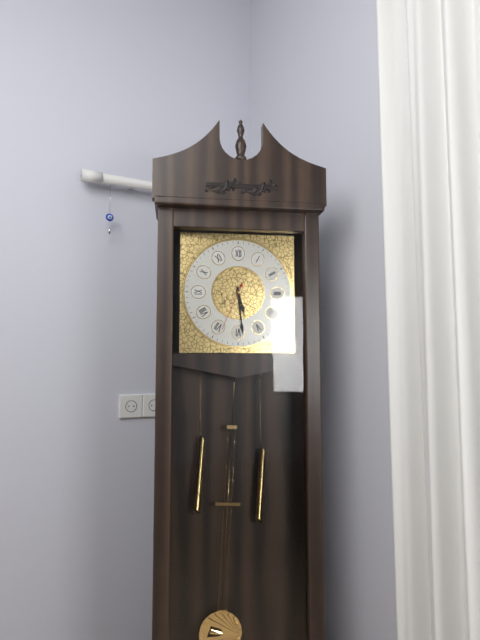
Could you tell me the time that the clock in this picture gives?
5:29:34
